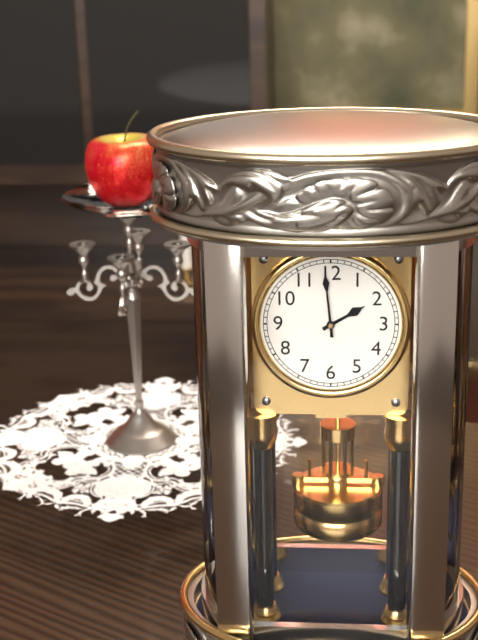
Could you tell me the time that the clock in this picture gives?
1:59
